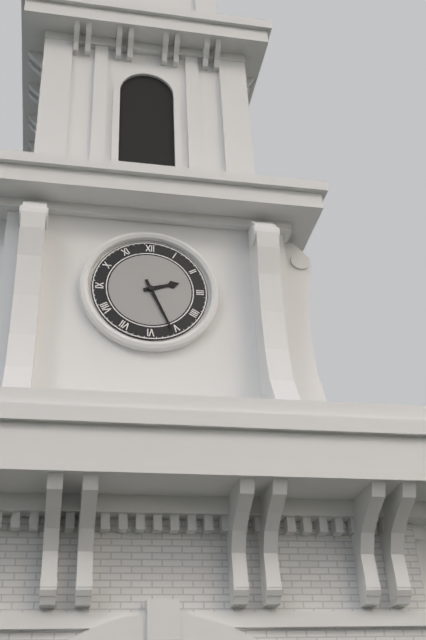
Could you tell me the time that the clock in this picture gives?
2:26
